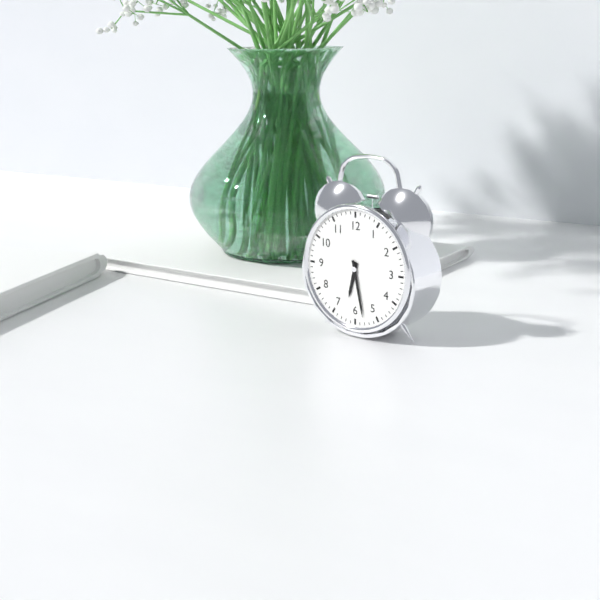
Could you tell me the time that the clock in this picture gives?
6:28
